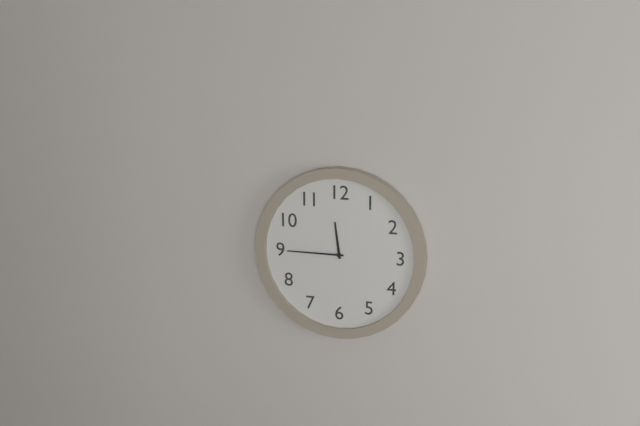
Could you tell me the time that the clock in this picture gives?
11:45
